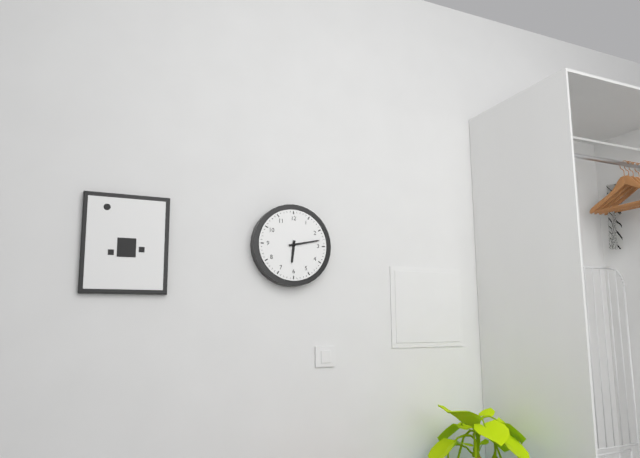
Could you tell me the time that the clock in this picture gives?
6:13
